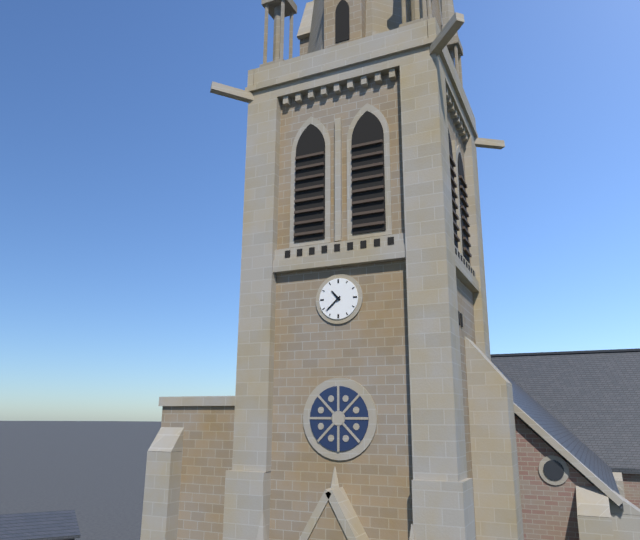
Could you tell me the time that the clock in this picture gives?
10:38
